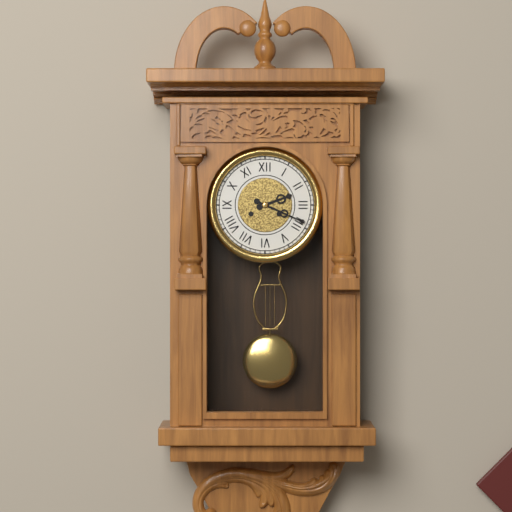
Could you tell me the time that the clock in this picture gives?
2:19
